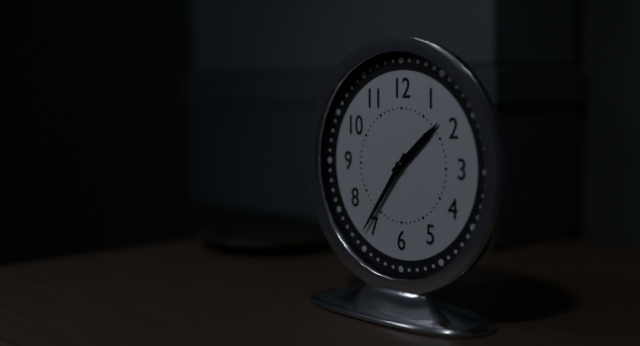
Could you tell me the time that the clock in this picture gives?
1:36
